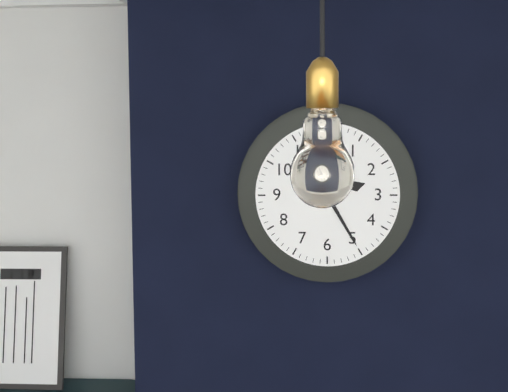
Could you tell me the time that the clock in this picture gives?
2:25
